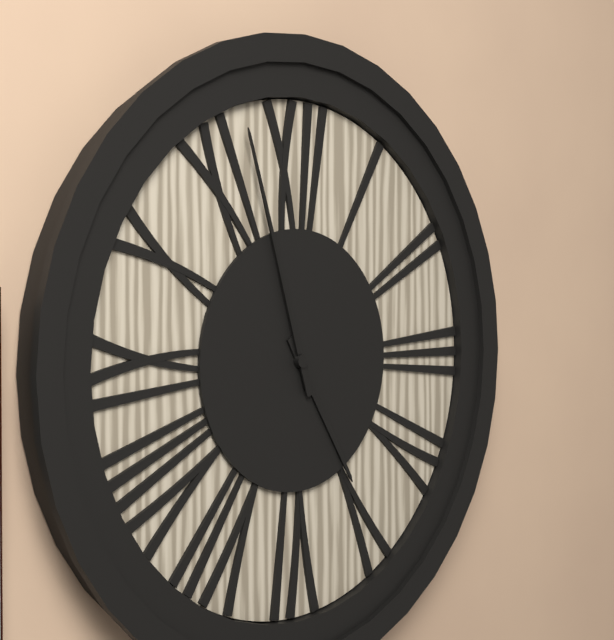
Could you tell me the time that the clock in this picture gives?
4:57
